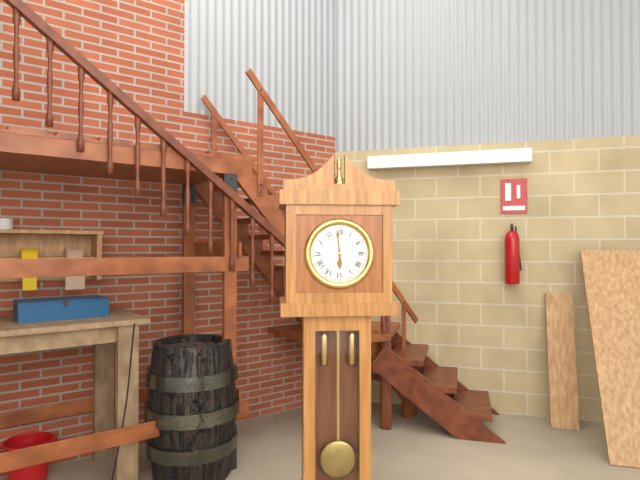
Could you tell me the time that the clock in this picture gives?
5:59
